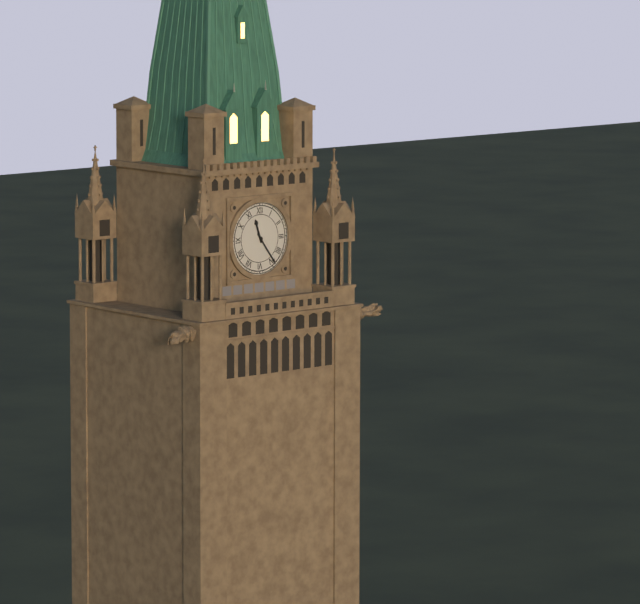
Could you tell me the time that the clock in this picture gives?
11:24
